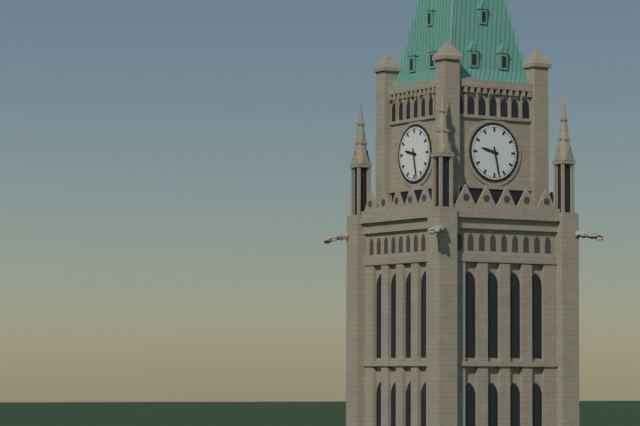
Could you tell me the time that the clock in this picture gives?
9:28
